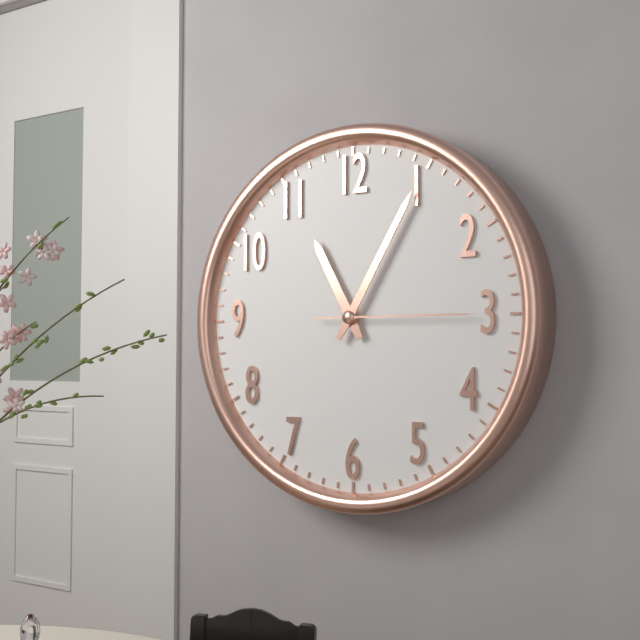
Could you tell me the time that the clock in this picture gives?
11:05:15
